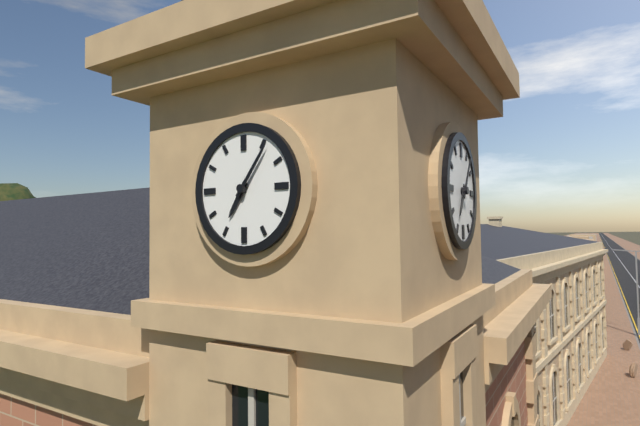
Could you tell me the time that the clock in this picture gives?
7:06
